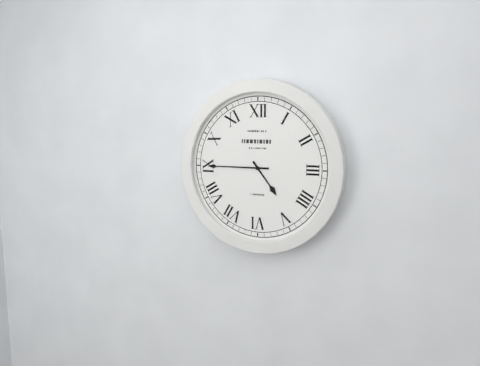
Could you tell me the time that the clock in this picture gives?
4:45
